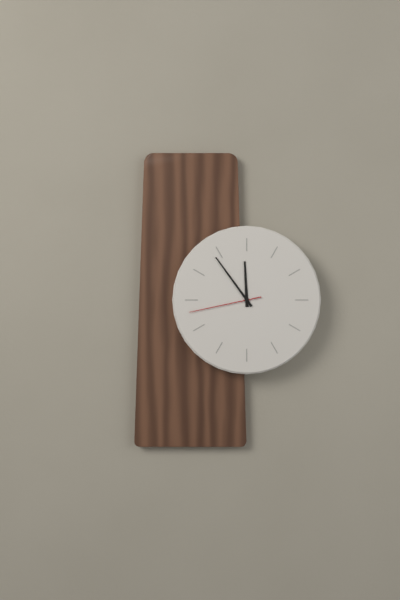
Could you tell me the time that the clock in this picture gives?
11:54:43
